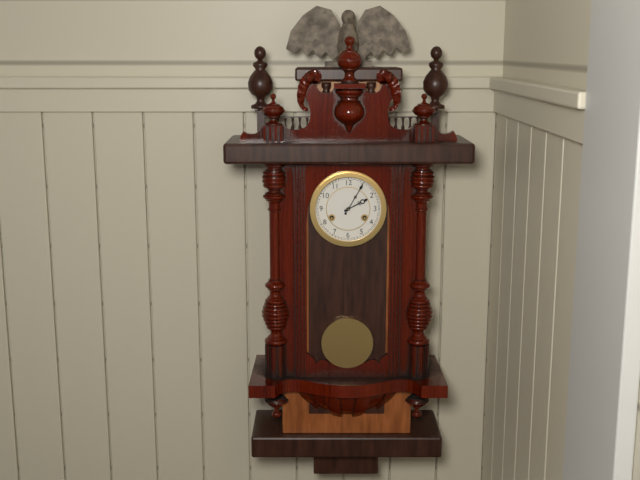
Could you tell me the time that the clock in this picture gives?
2:05
